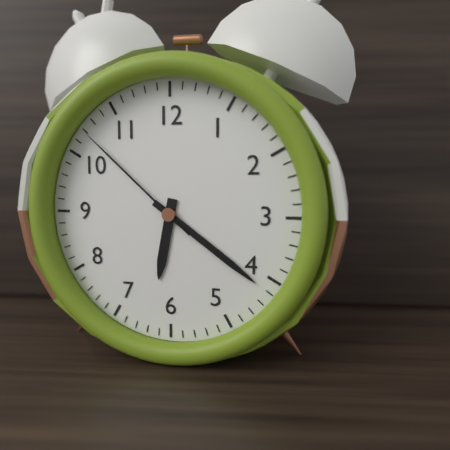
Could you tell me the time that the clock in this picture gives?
6:21:52
